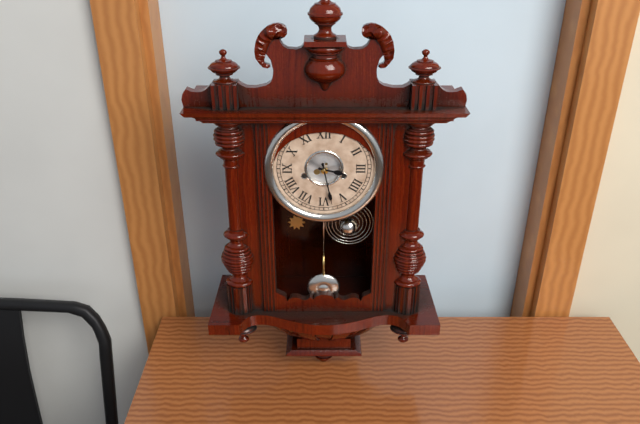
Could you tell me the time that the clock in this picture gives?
3:28
